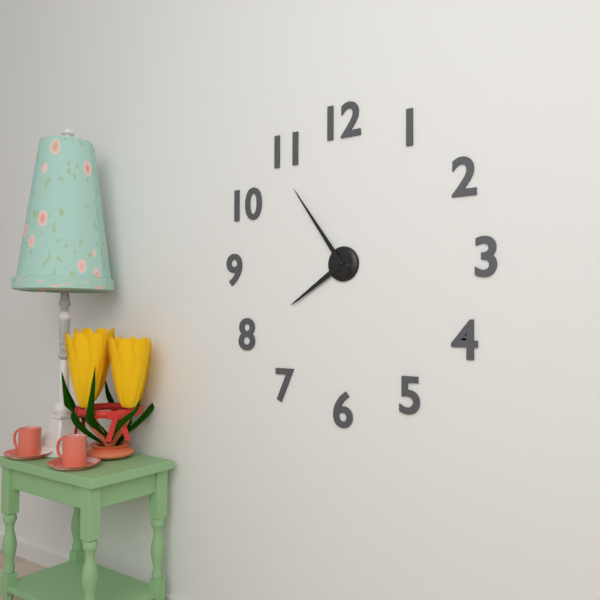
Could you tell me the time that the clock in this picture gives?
7:54
